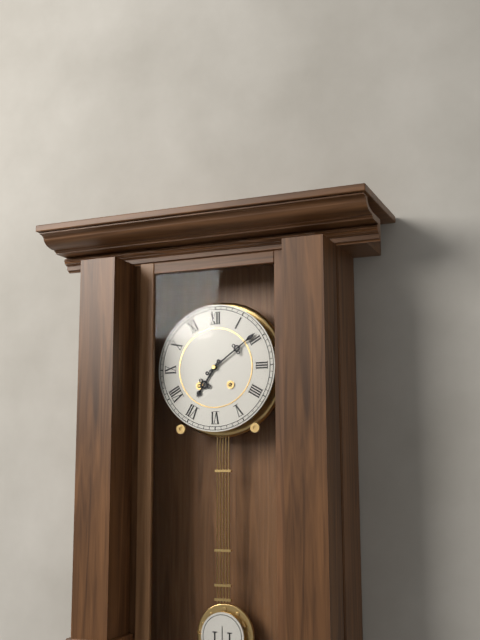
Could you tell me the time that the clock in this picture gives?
7:09
